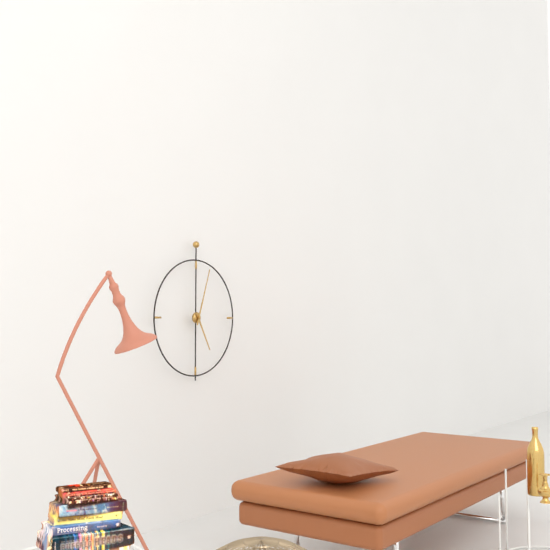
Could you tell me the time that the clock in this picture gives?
5:03
